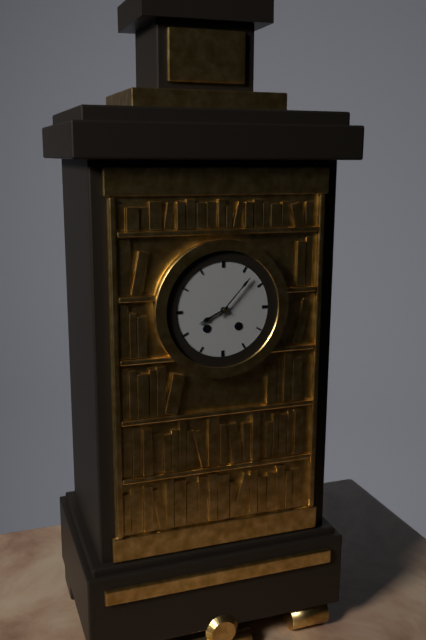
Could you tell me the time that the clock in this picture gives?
8:07
